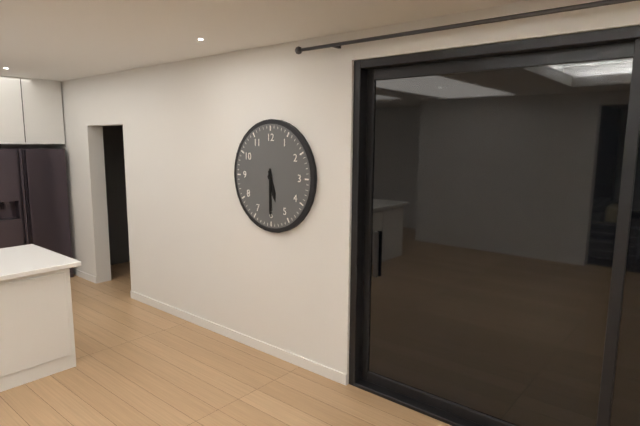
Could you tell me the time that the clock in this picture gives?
5:30
